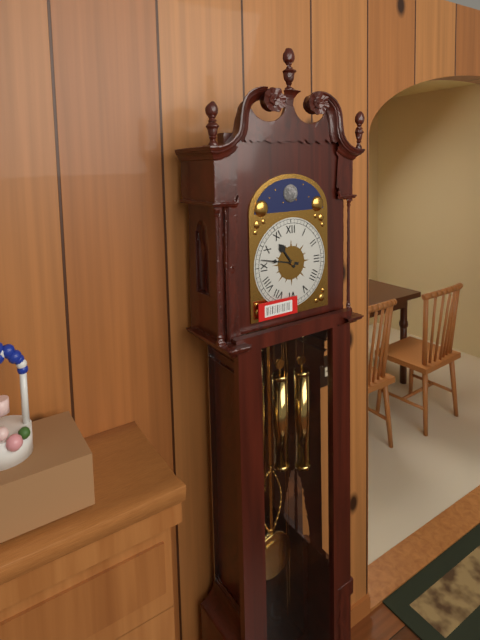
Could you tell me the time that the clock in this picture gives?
10:47
